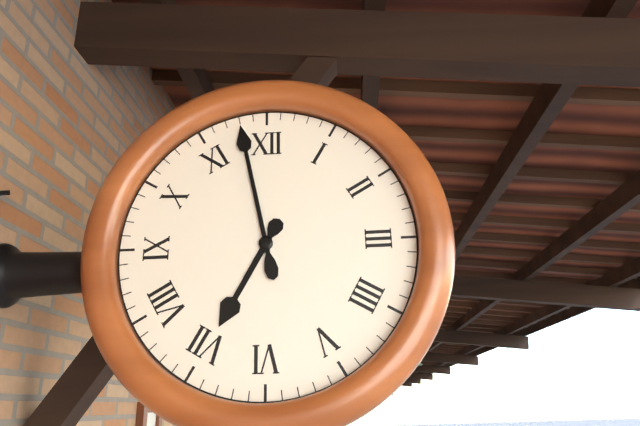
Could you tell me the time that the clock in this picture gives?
6:58
